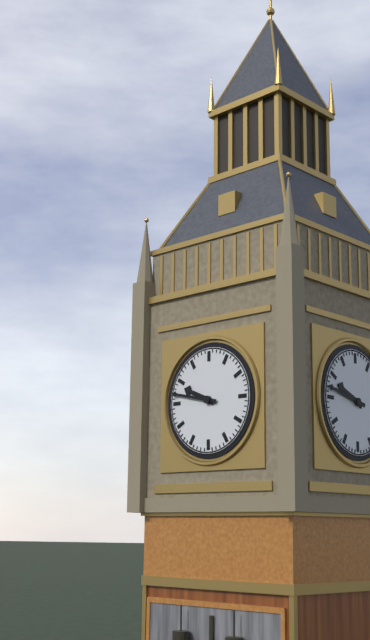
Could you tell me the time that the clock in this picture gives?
9:47
